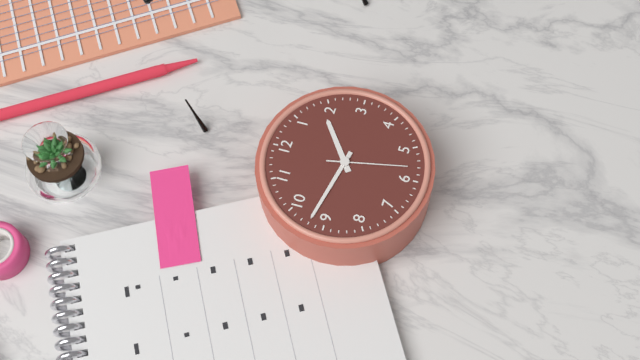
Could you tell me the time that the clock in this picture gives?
1:47:28
